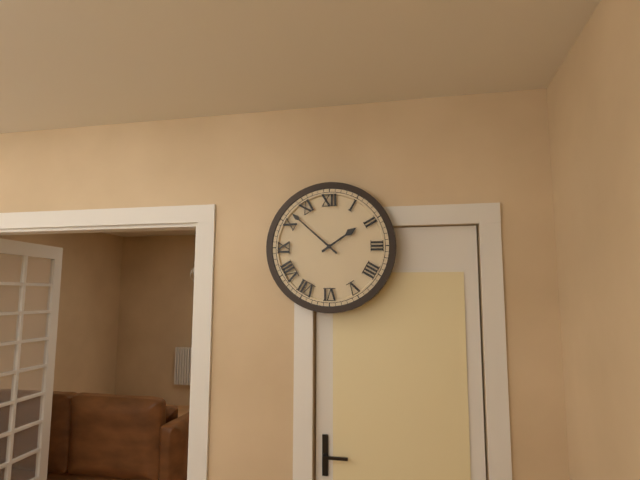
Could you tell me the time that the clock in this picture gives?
1:52
